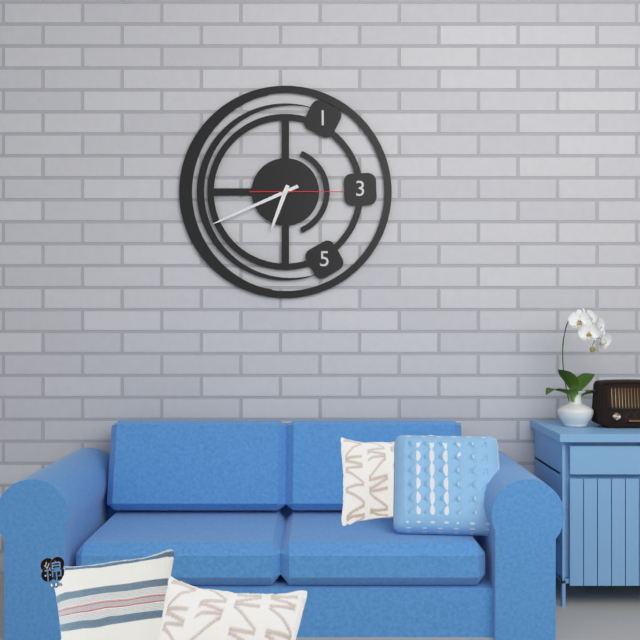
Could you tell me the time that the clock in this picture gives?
6:41:15
